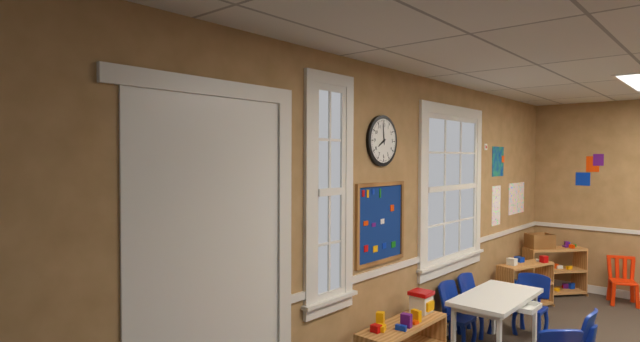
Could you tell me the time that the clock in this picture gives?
7:59
